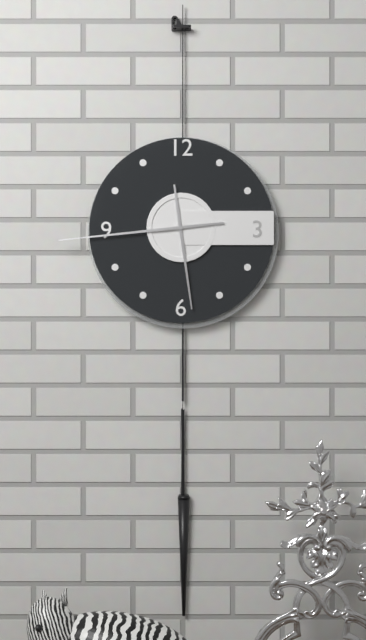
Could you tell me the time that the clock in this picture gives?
5:44
